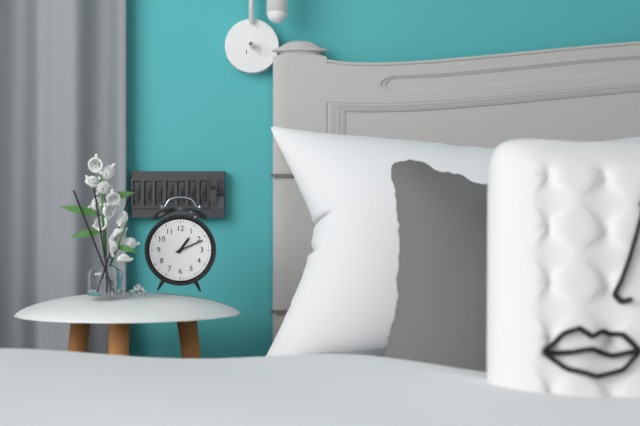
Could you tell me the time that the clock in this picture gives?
1:11
